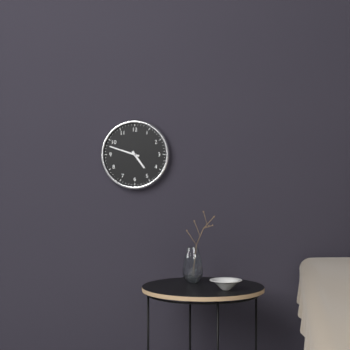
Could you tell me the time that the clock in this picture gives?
4:48
